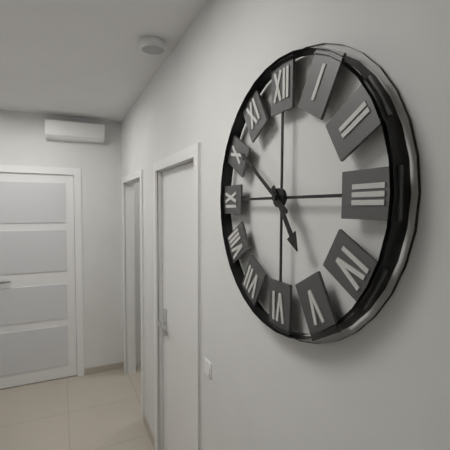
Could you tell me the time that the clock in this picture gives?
4:51
